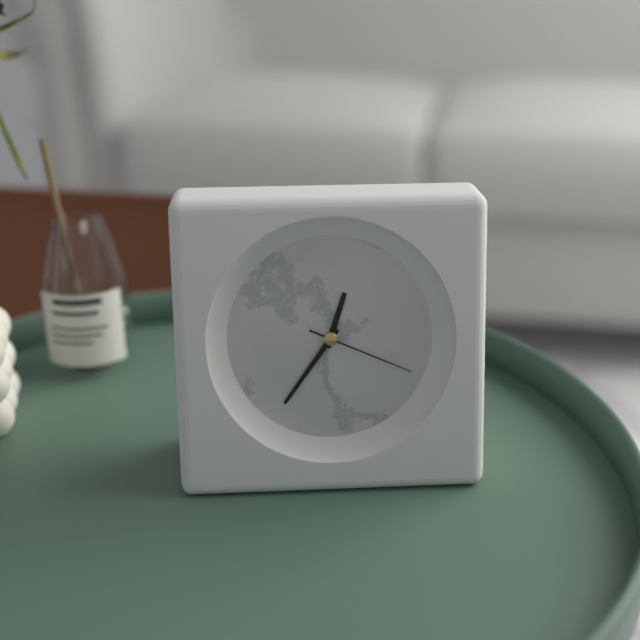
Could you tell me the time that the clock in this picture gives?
12:36:19
